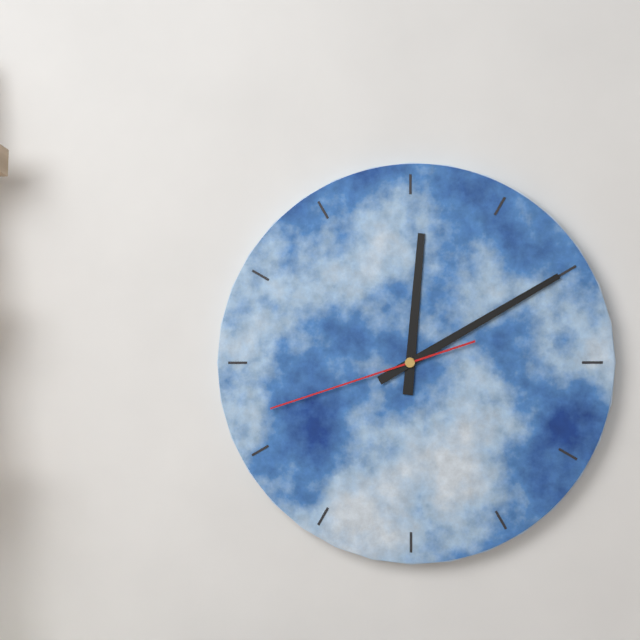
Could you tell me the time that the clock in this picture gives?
12:10:42
